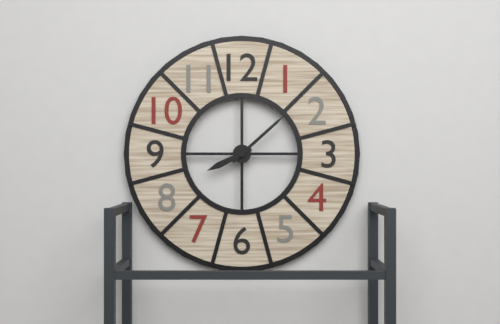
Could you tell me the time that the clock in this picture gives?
8:08
